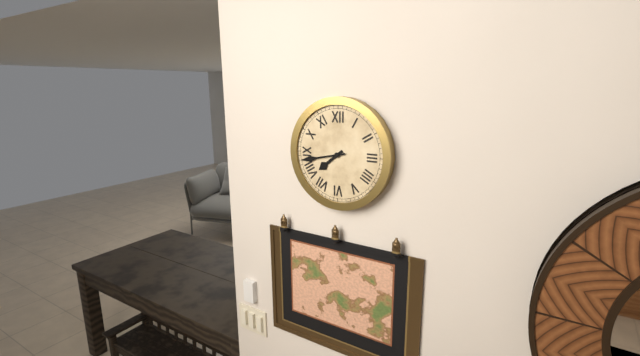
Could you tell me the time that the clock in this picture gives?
7:43
